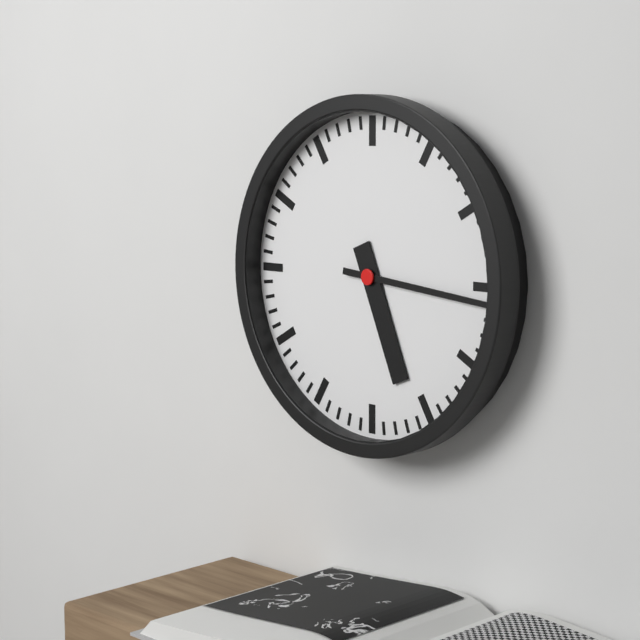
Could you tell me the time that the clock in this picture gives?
5:16
